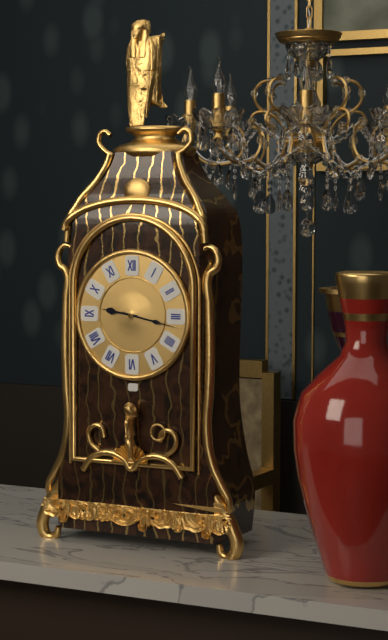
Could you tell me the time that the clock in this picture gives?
9:17
